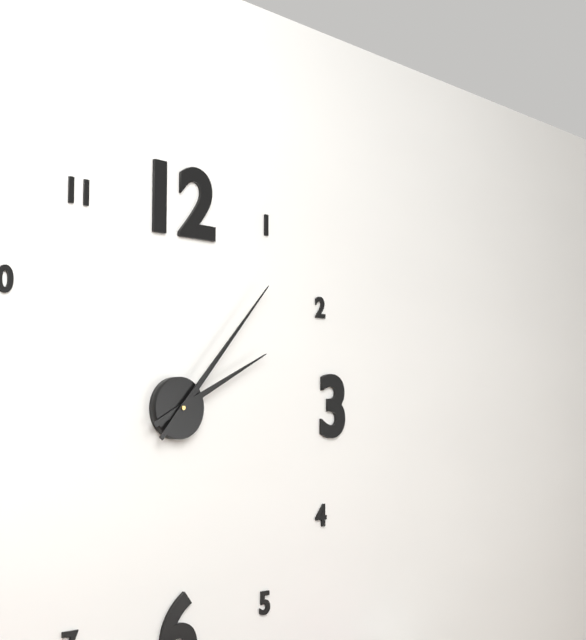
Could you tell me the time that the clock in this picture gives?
2:07
